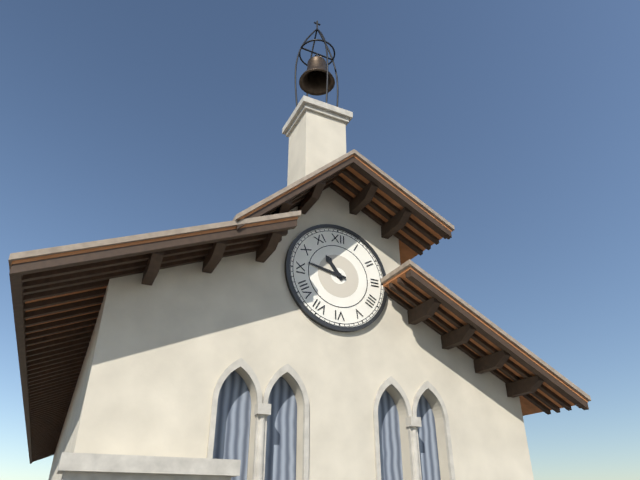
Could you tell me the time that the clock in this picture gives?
10:47
